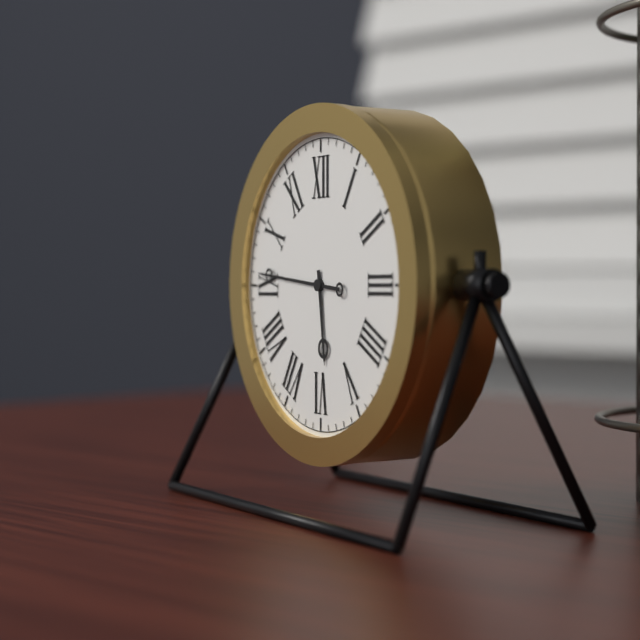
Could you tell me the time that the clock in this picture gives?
5:46
